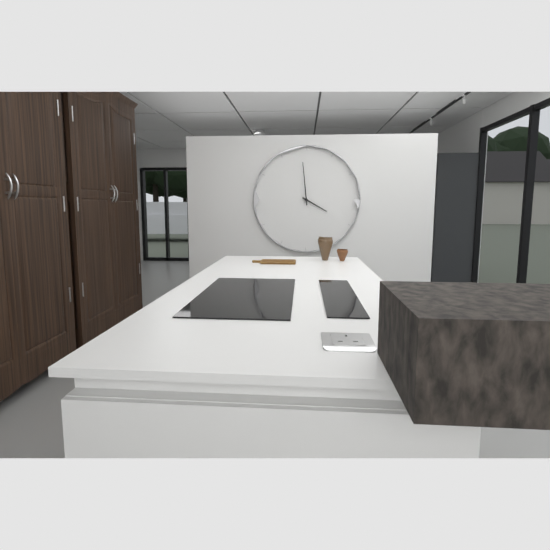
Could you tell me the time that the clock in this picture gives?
3:59
